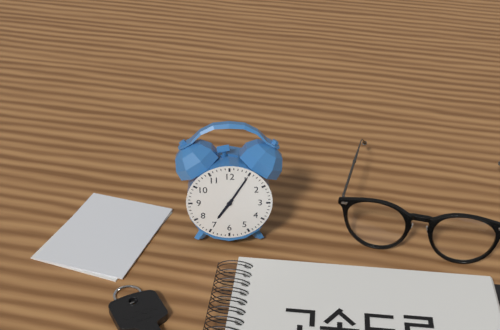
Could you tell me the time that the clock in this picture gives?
7:05
